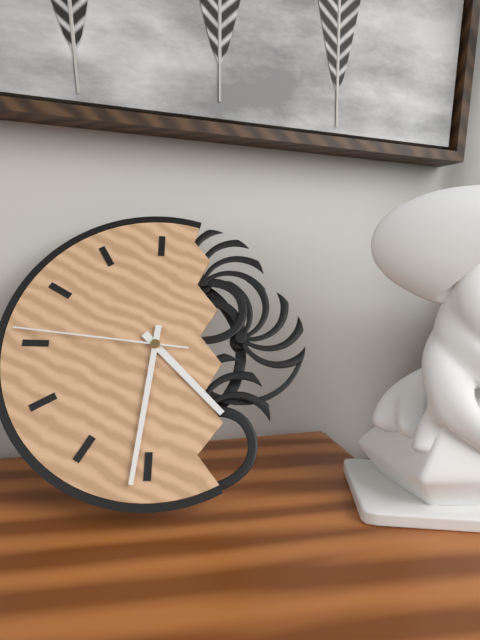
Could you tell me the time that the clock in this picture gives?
4:31:46
